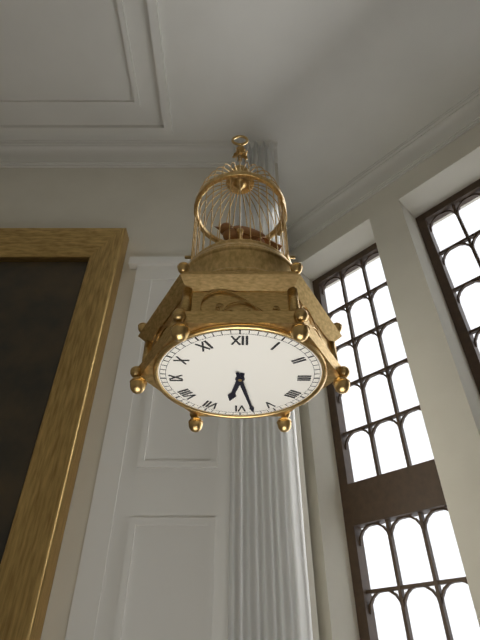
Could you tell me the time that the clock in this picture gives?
6:28
